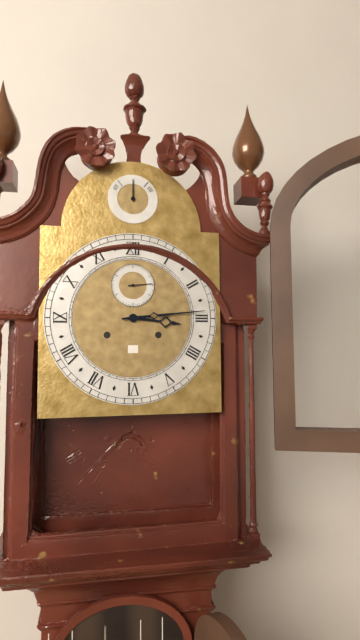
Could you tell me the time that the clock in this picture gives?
3:14
